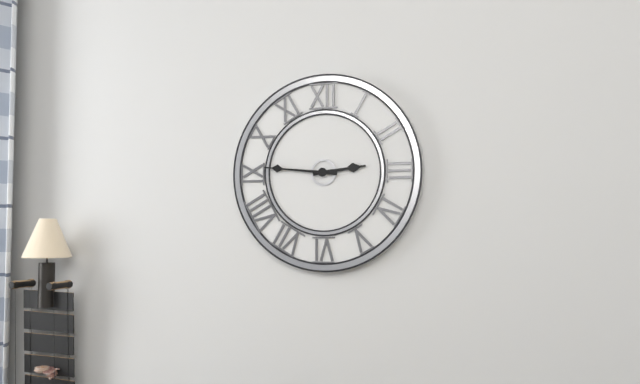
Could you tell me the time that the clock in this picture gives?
2:46
